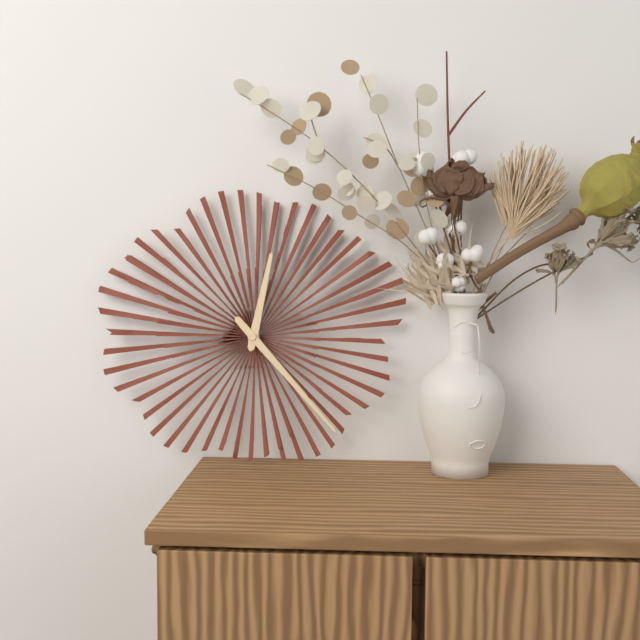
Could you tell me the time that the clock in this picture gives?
12:23
